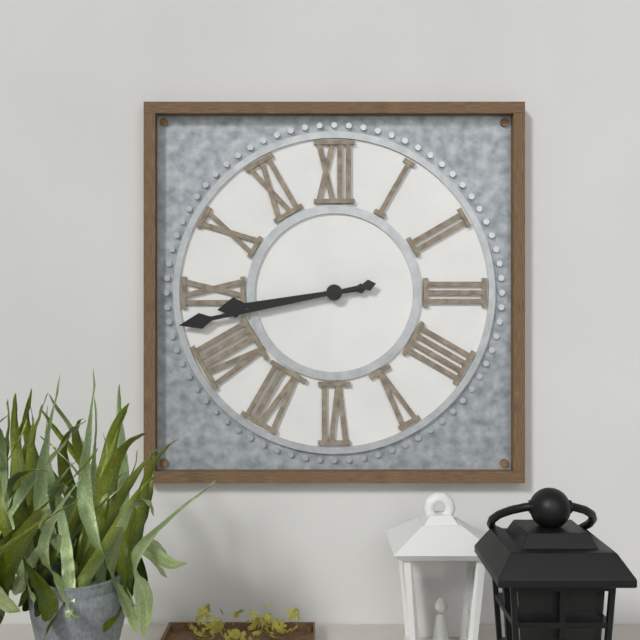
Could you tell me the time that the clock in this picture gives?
8:43
